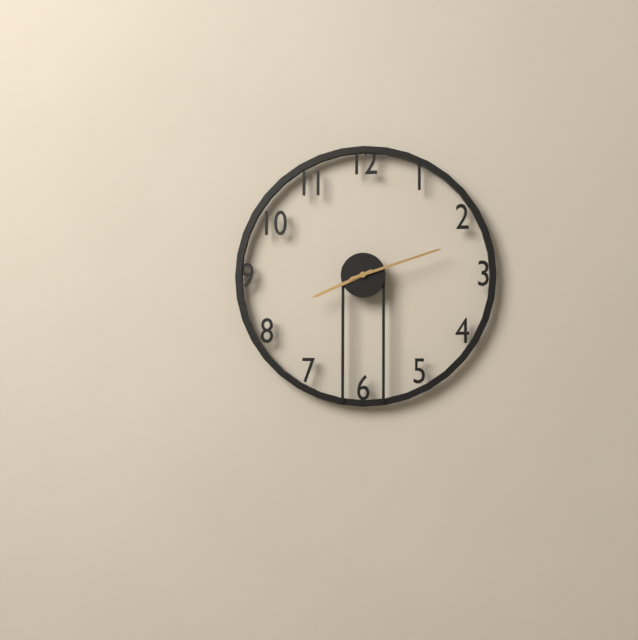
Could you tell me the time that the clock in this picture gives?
8:12
